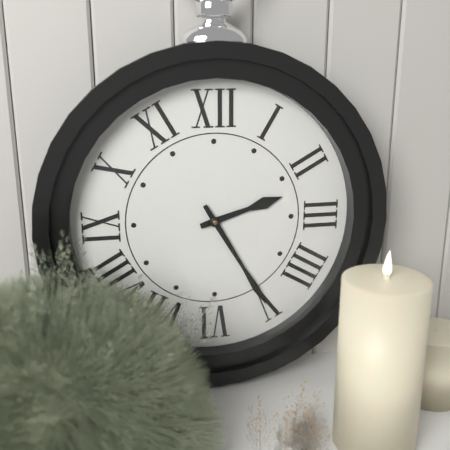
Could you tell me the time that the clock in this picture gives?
2:25
